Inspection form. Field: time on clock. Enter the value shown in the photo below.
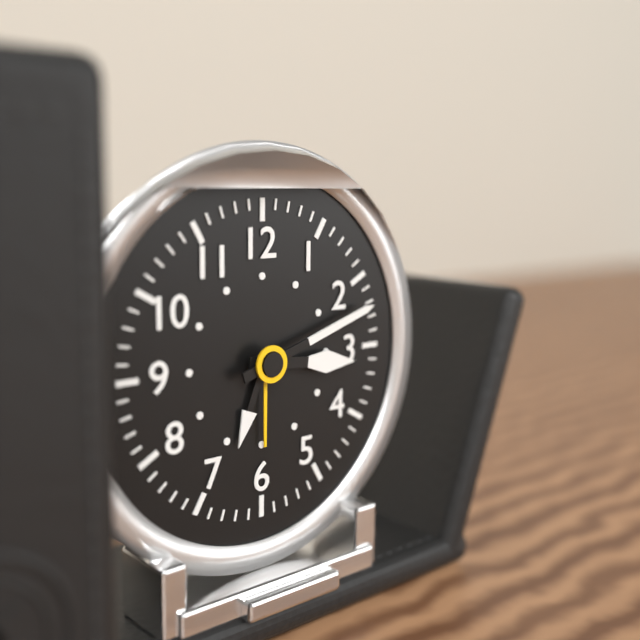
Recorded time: 3:12
